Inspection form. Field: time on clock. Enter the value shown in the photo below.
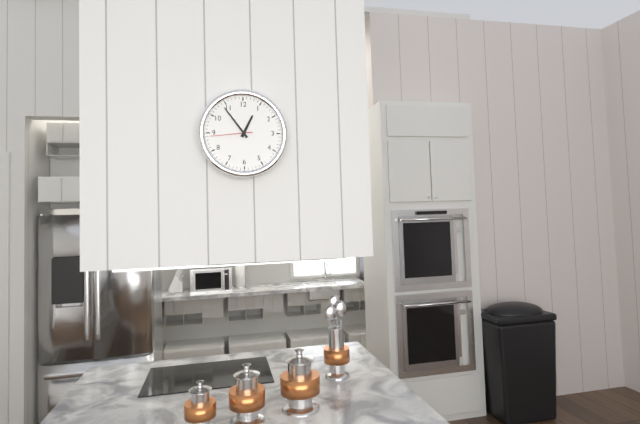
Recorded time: 12:54
